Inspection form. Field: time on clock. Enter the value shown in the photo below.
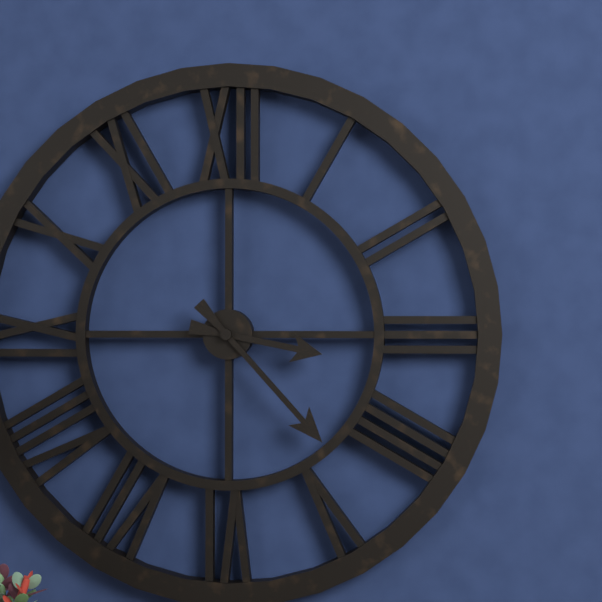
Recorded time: 3:23
